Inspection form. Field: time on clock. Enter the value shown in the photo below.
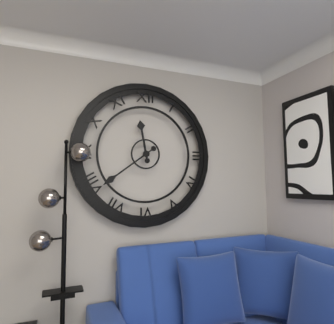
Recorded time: 11:39
